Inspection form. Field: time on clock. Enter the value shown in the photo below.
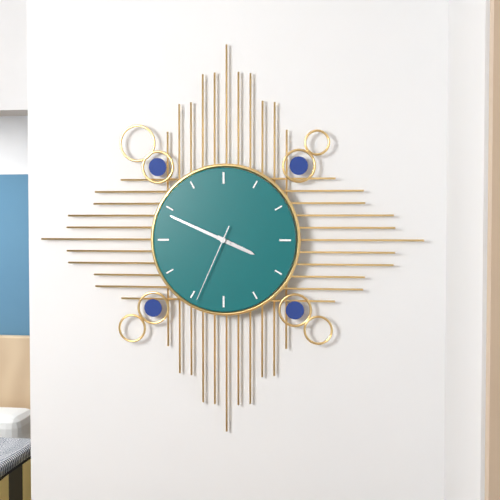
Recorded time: 3:49:34
